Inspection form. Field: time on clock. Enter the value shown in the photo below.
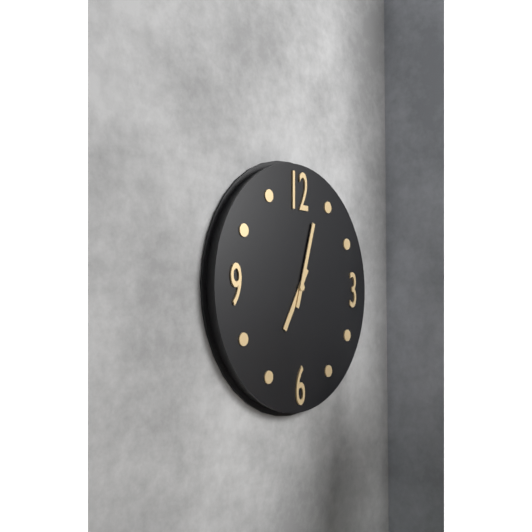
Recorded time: 7:03
